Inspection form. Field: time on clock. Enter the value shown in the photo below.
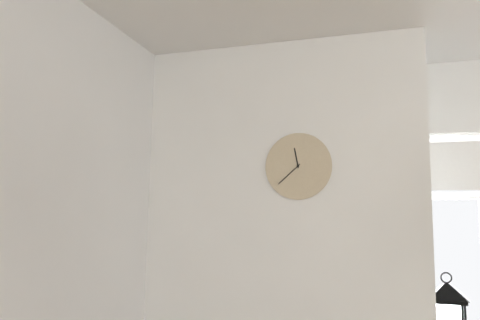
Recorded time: 11:38
